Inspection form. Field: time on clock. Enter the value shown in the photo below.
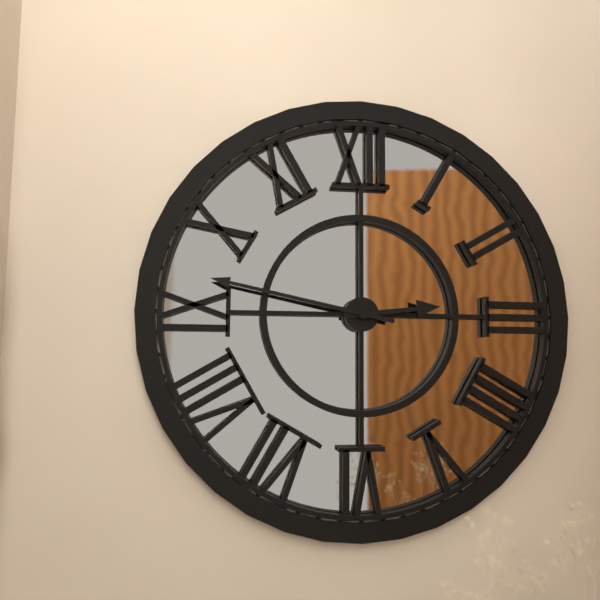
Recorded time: 2:47
